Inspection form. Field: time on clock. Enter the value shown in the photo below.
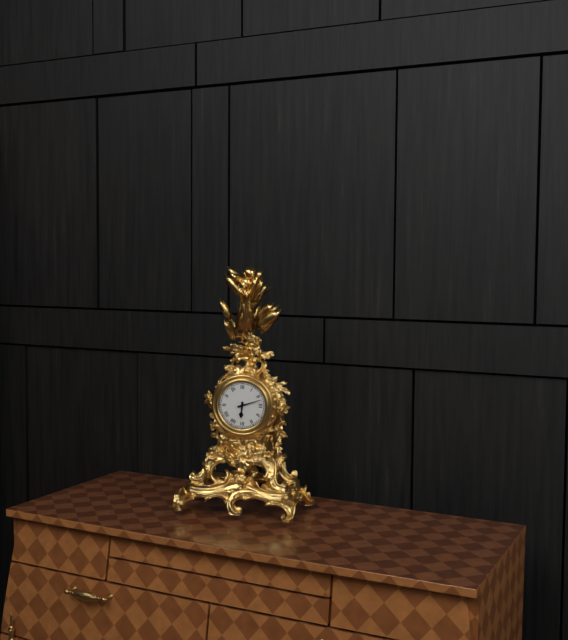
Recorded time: 6:12
